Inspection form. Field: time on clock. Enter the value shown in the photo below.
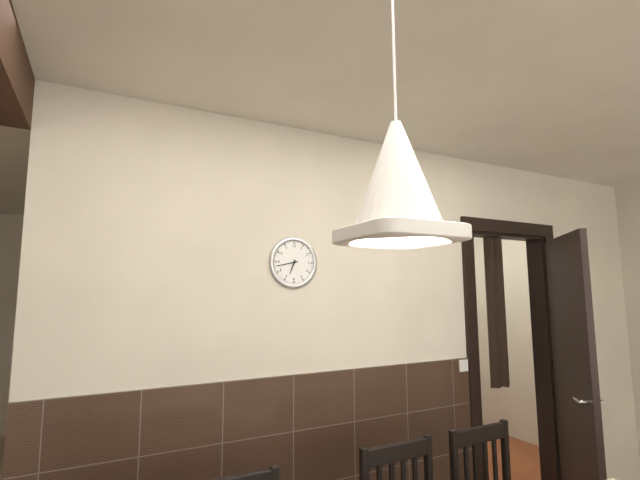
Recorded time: 6:43
